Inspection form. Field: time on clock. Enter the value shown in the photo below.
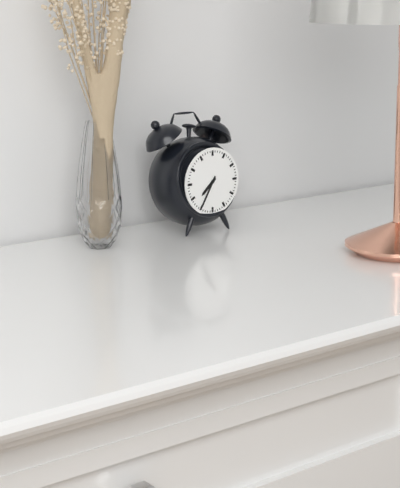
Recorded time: 7:35
